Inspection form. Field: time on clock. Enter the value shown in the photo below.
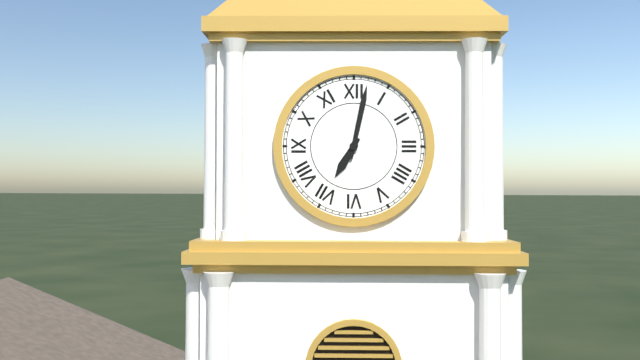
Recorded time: 7:02
